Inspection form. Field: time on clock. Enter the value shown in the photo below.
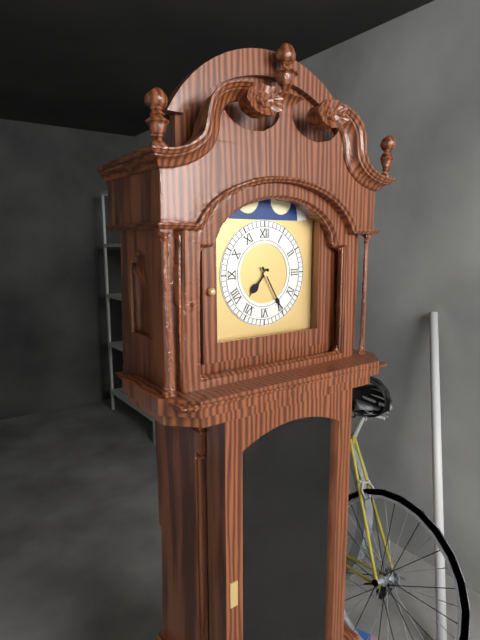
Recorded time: 7:25
